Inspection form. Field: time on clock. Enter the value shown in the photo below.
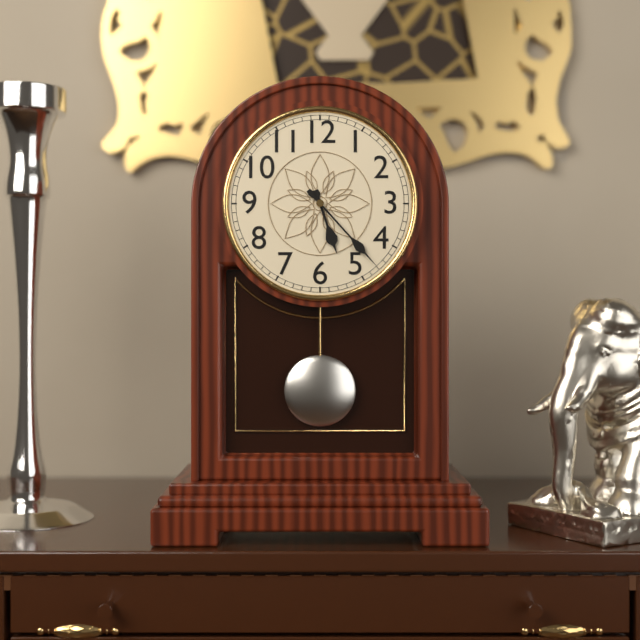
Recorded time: 5:23
